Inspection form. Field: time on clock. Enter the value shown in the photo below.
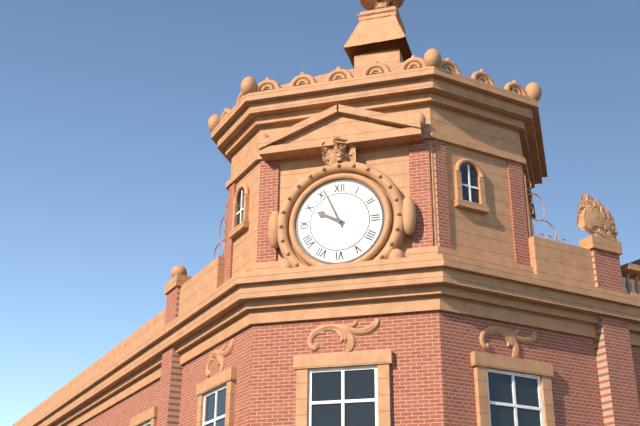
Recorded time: 9:56
